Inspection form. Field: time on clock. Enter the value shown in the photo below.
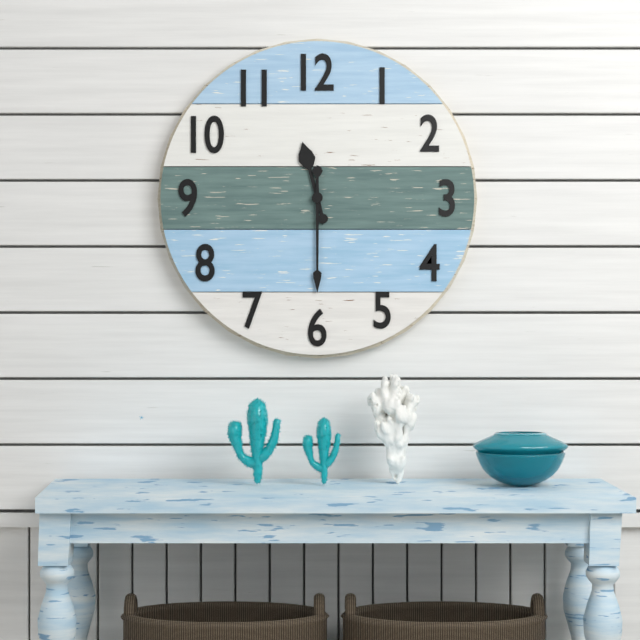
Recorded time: 11:30
